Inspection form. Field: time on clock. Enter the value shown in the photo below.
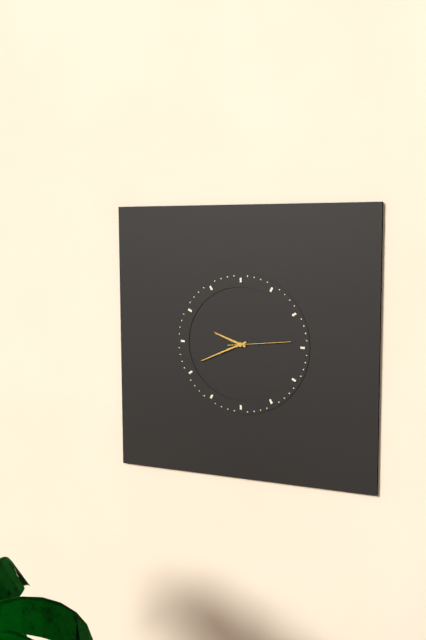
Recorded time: 9:41:14
